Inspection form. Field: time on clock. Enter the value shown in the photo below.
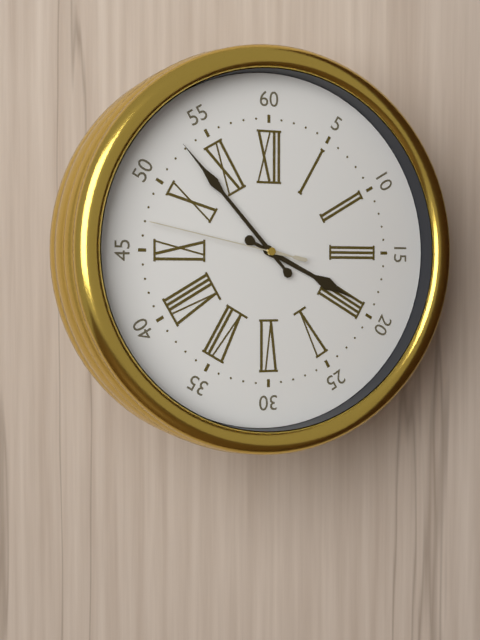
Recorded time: 3:53:47
